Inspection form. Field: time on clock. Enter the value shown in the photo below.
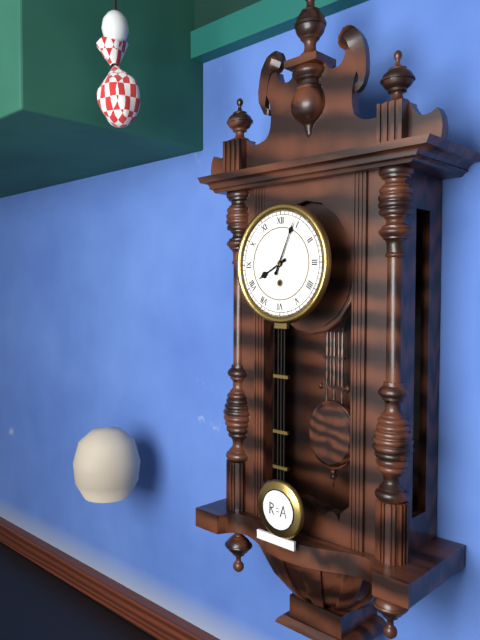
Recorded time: 8:04
